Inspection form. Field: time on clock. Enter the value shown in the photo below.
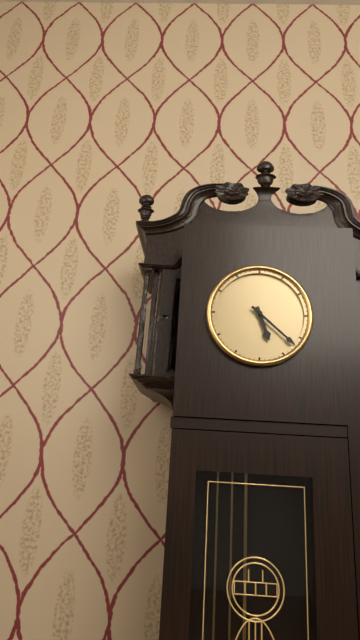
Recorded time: 5:22
